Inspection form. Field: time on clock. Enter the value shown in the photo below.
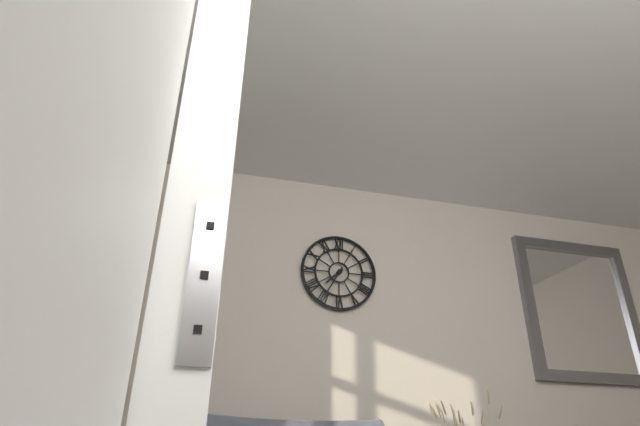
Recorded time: 7:35
